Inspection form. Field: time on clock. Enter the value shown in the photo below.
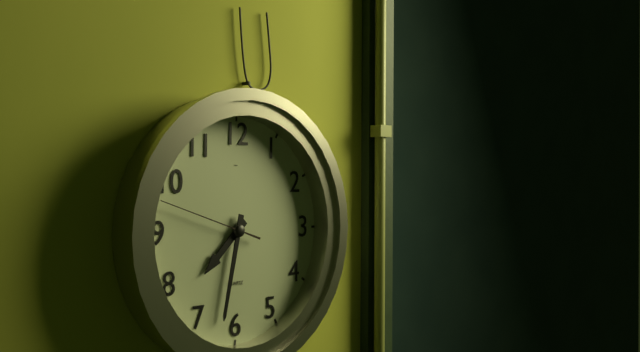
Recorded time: 7:32:48
